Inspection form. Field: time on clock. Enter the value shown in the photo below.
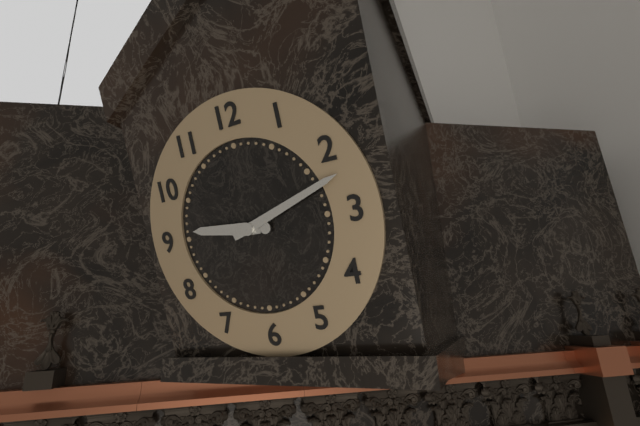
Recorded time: 9:12
